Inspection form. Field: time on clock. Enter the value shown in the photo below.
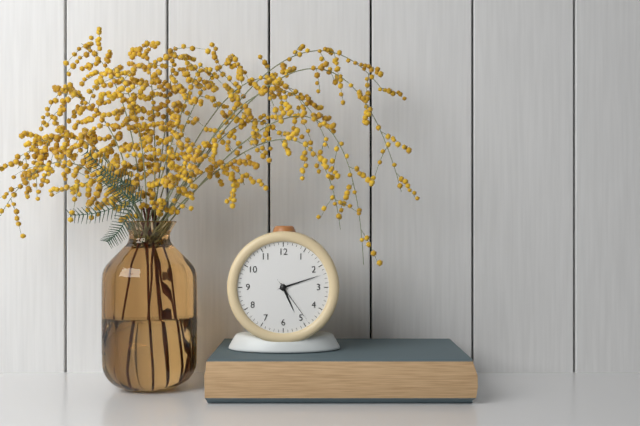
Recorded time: 5:12:24
